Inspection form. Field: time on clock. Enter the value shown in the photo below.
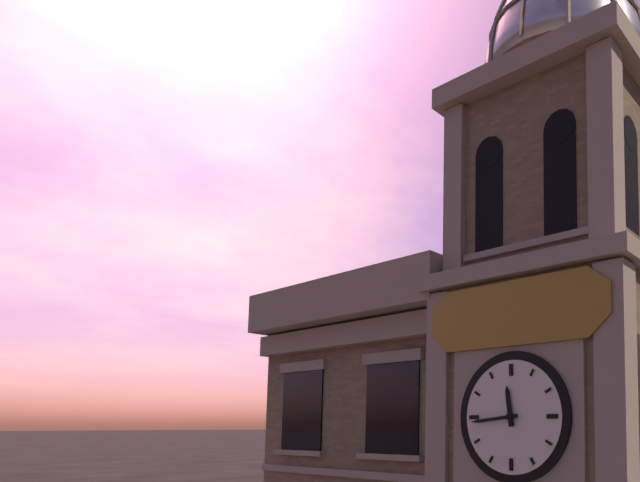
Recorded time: 11:44
